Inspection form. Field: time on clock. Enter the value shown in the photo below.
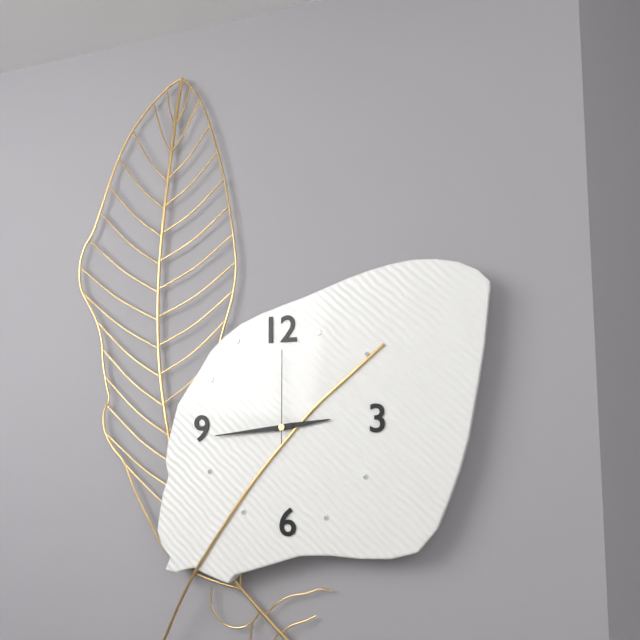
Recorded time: 2:44:00
